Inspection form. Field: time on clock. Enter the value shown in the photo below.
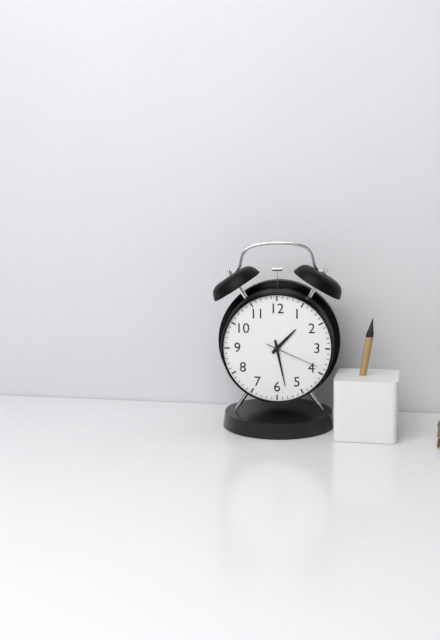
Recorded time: 1:28:19
